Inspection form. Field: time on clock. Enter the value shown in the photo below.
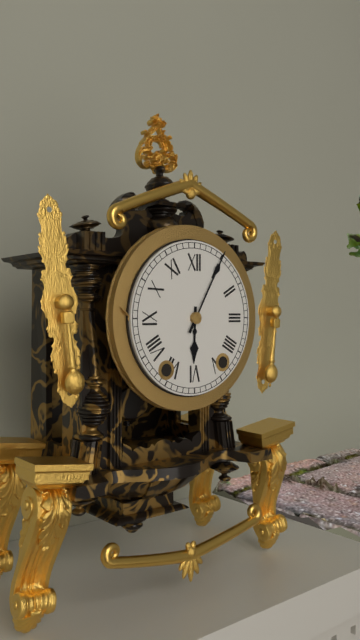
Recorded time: 6:05
